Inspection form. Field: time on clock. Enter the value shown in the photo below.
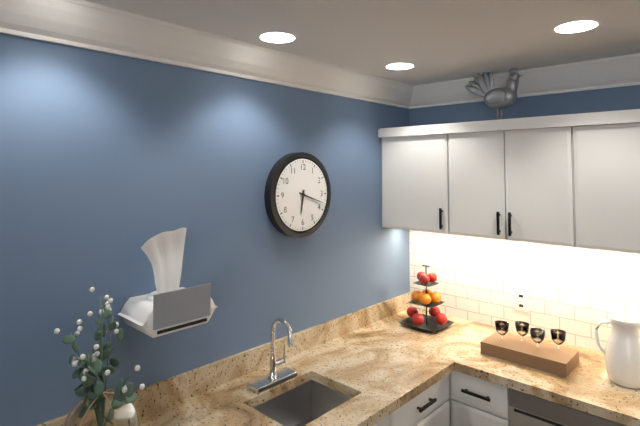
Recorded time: 6:18
